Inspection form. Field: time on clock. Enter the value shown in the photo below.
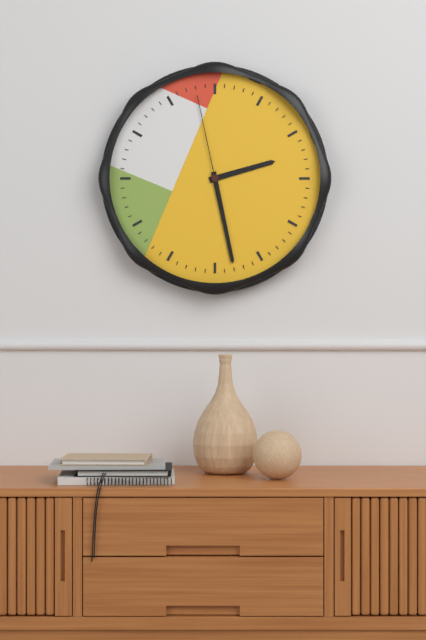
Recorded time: 2:28:58
